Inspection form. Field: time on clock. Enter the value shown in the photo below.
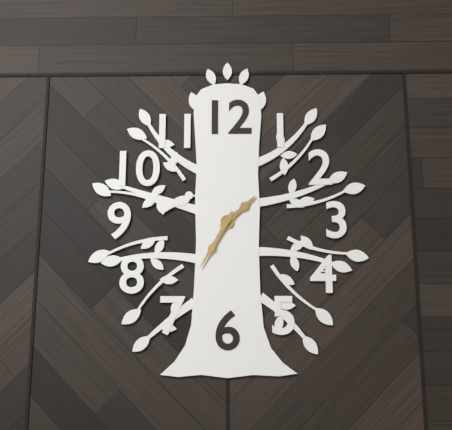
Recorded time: 1:35
